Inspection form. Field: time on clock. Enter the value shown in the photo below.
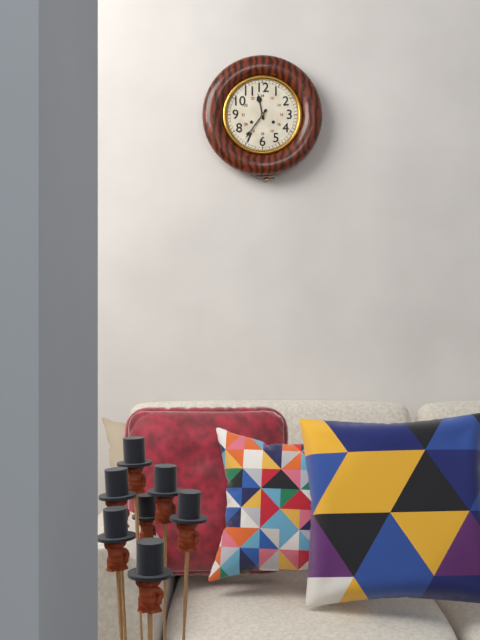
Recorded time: 11:36
